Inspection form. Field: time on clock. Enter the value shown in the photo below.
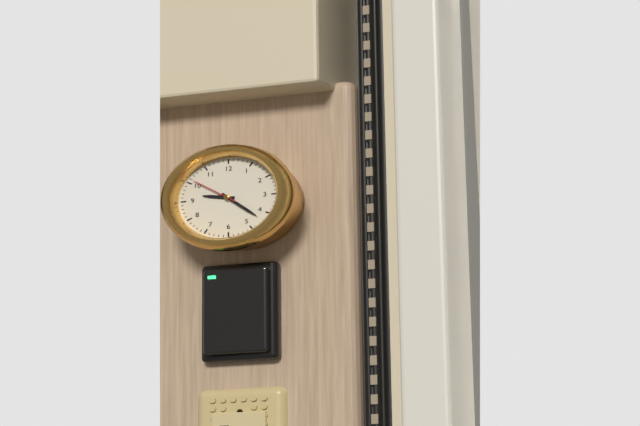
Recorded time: 9:22
